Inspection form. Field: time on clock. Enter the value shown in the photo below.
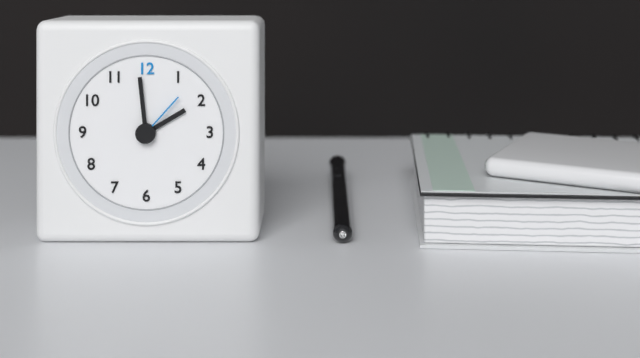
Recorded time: 1:59:07
